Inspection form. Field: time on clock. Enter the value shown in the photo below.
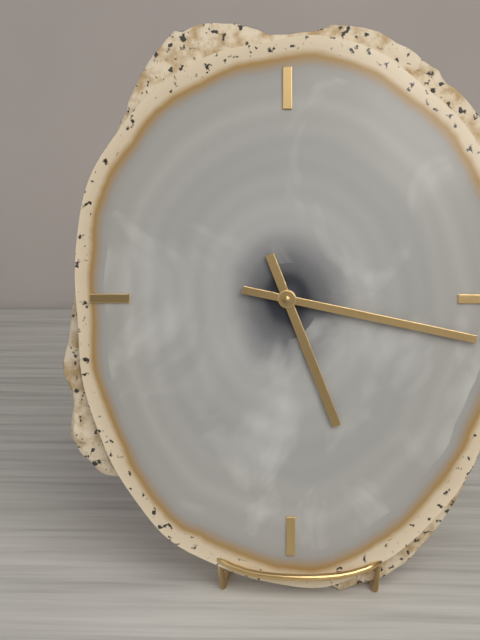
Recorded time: 5:17
